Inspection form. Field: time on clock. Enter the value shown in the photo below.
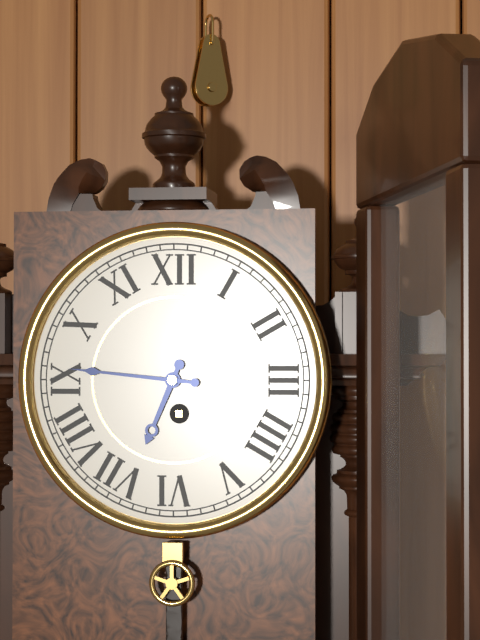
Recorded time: 6:46
